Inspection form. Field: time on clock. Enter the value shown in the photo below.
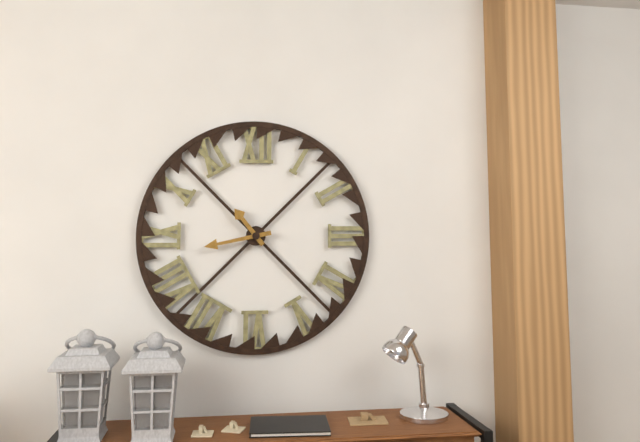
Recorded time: 10:43
